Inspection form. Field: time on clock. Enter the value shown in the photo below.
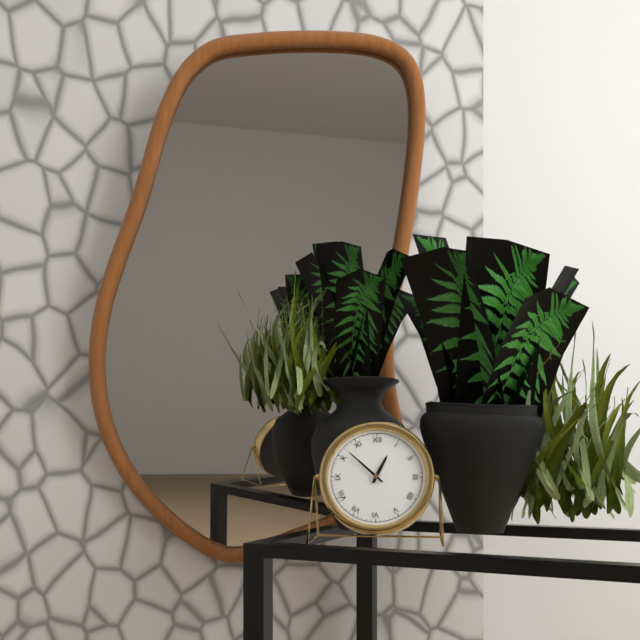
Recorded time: 12:52
